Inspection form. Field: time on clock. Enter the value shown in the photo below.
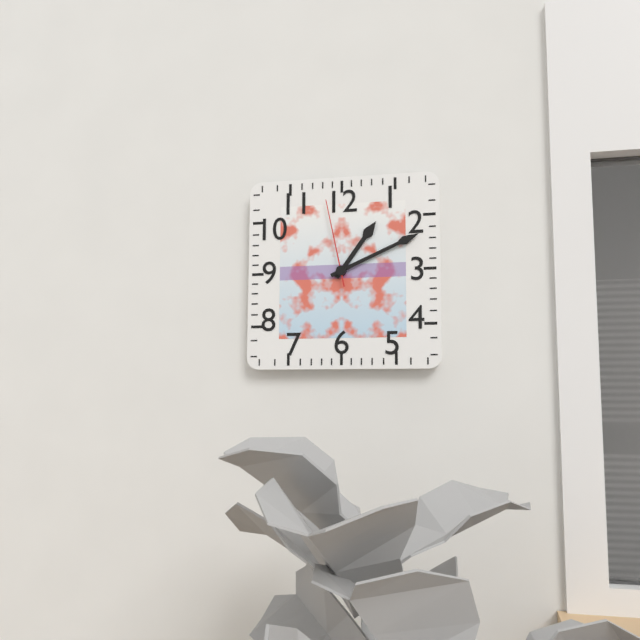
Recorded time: 1:11:58
